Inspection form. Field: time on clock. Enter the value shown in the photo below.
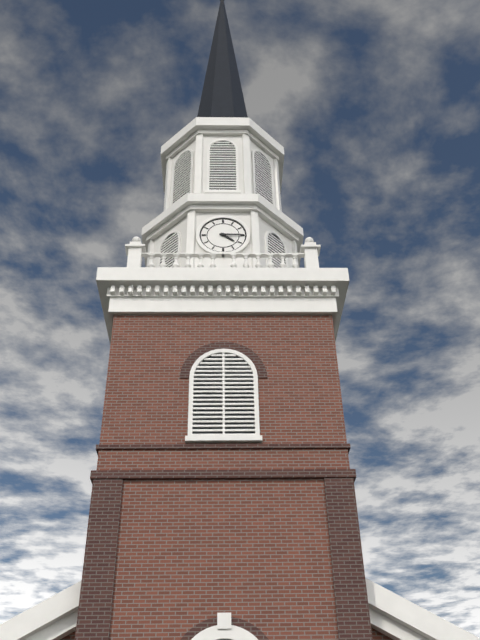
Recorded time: 4:15
